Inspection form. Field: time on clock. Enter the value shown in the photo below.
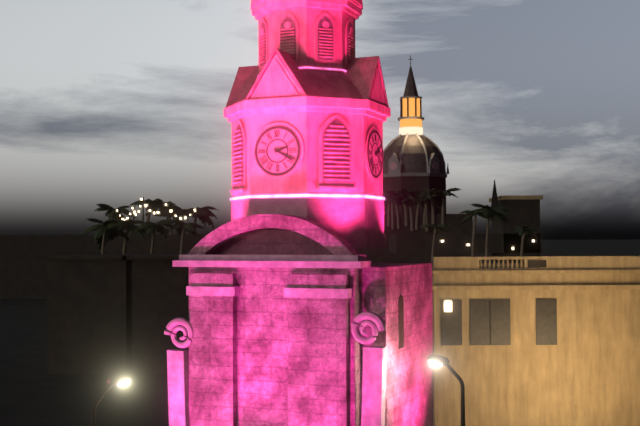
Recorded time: 2:20
